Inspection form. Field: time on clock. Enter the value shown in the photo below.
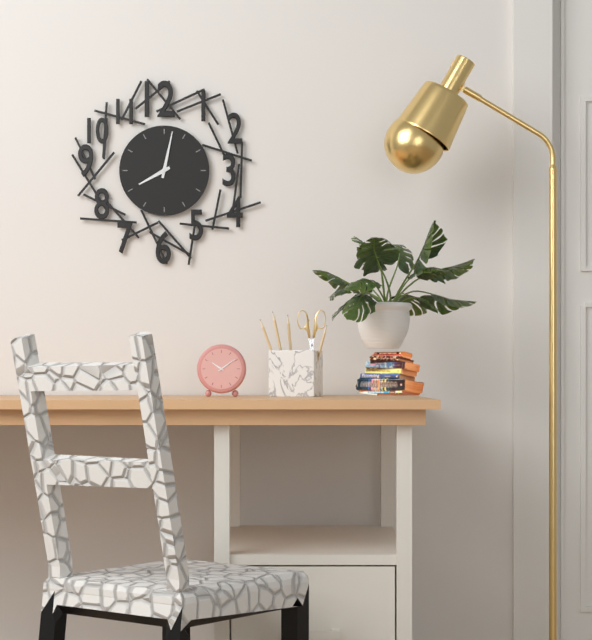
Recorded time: 8:02
